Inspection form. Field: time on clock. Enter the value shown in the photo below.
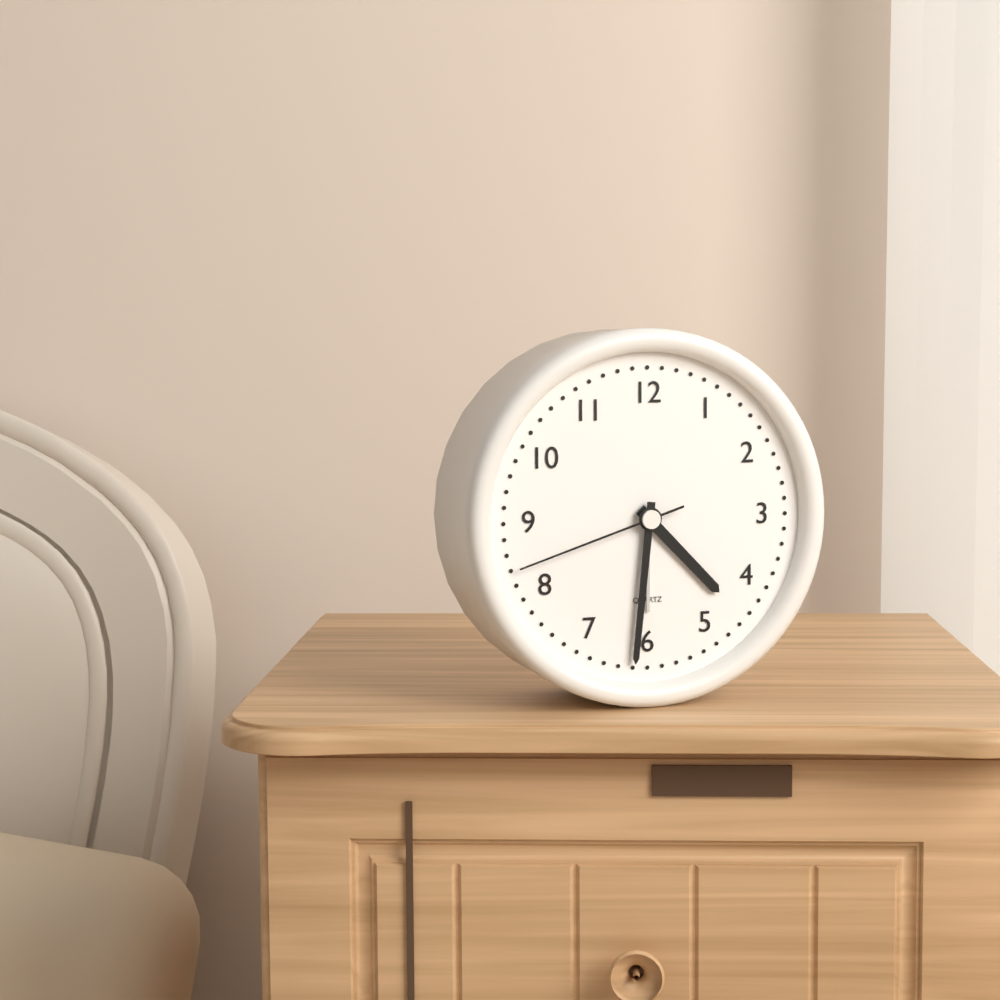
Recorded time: 4:31:42
